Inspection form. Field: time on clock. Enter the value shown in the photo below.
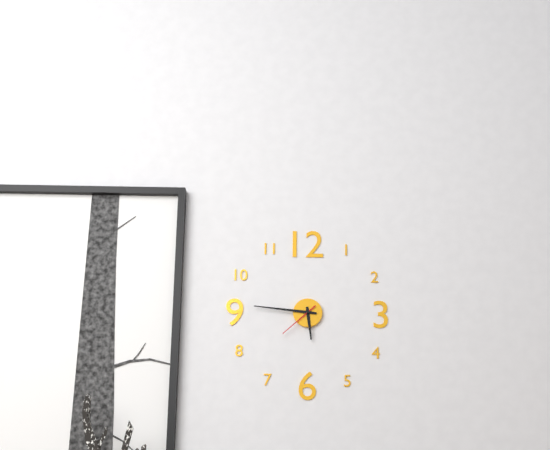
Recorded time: 5:46
